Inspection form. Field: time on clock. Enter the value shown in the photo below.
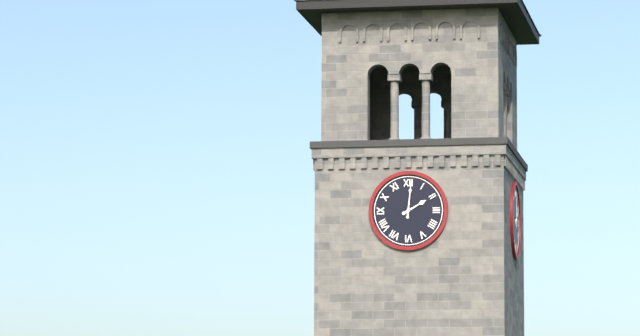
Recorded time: 2:01
